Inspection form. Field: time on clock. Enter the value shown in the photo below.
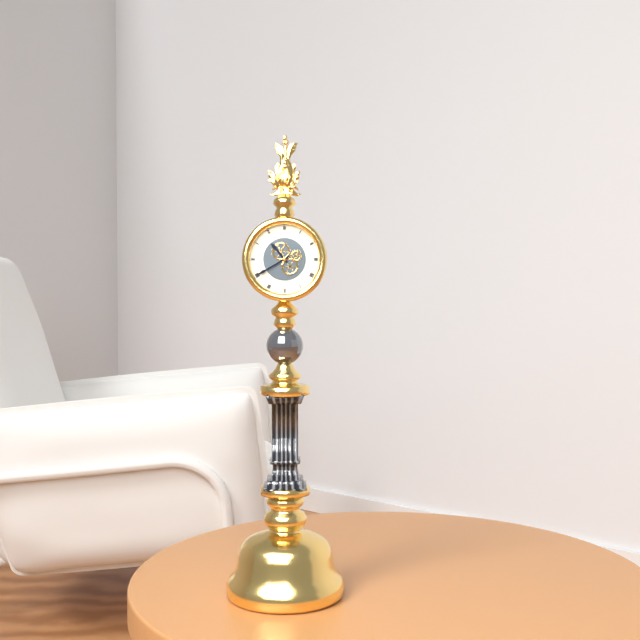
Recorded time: 10:40
